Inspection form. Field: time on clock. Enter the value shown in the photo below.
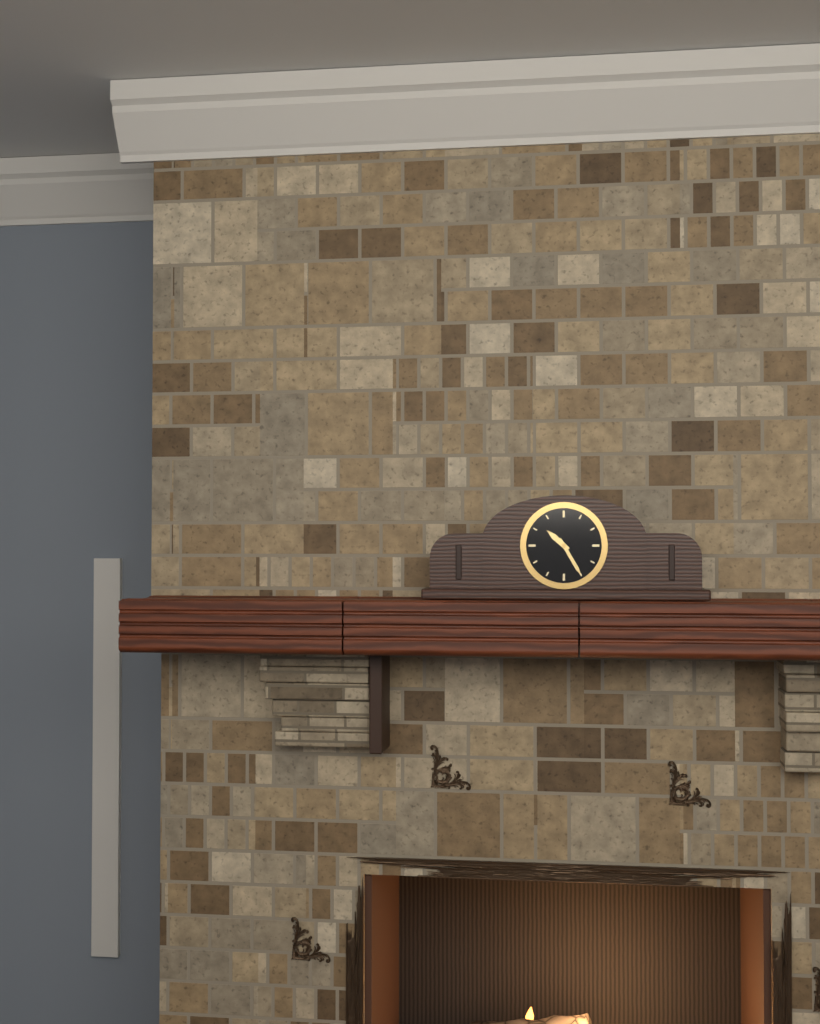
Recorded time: 10:25
